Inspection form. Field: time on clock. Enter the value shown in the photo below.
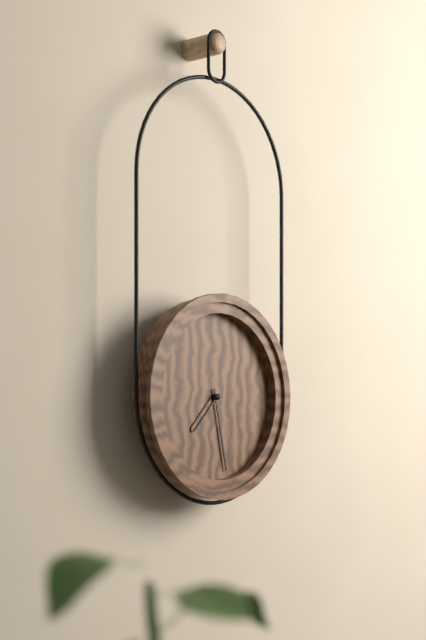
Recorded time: 7:28
